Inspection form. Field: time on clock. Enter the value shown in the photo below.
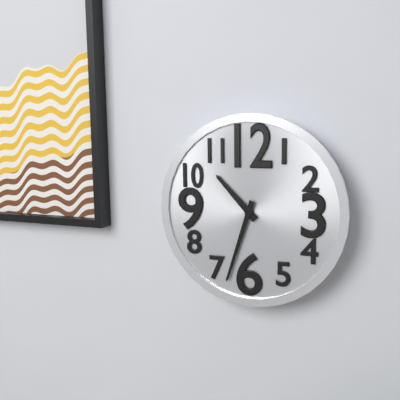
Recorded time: 10:33
